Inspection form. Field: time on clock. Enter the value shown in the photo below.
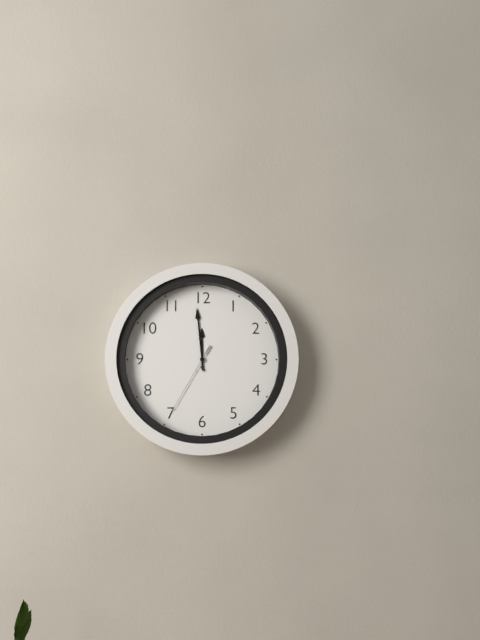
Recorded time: 11:59:35
